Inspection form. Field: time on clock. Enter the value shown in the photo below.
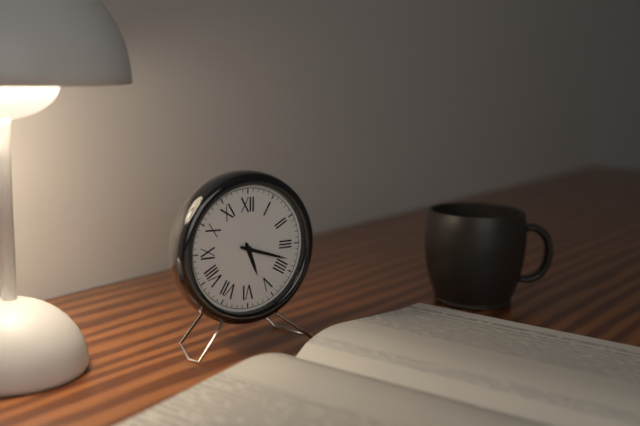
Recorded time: 5:18
